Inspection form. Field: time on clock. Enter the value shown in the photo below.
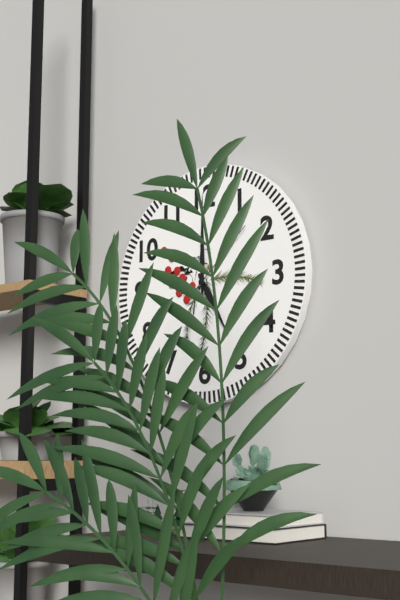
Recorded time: 5:00
